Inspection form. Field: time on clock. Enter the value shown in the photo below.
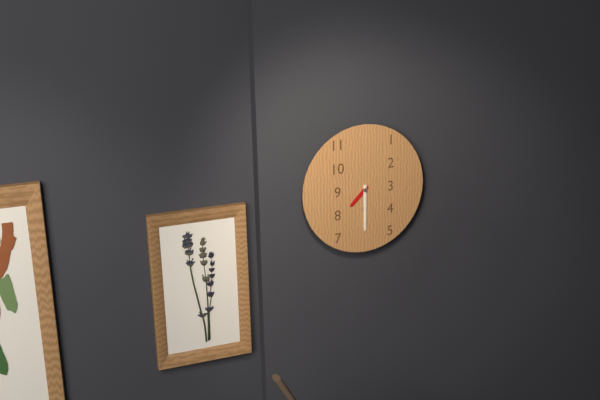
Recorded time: 7:30
